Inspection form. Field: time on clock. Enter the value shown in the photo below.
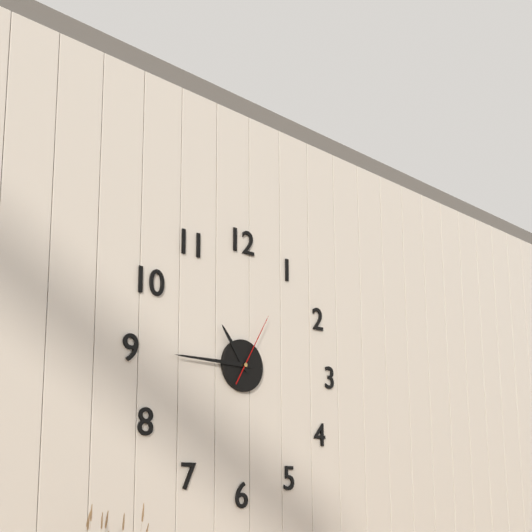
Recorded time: 10:45:05
